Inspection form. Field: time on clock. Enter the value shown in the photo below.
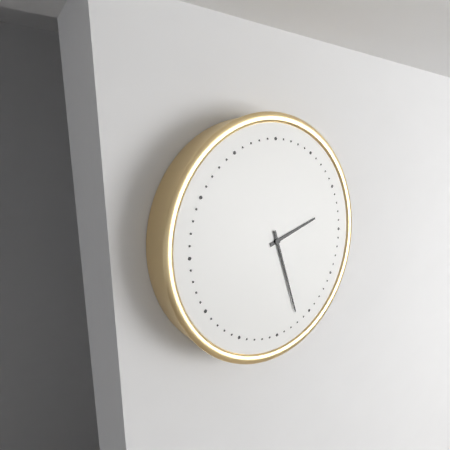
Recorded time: 2:27
